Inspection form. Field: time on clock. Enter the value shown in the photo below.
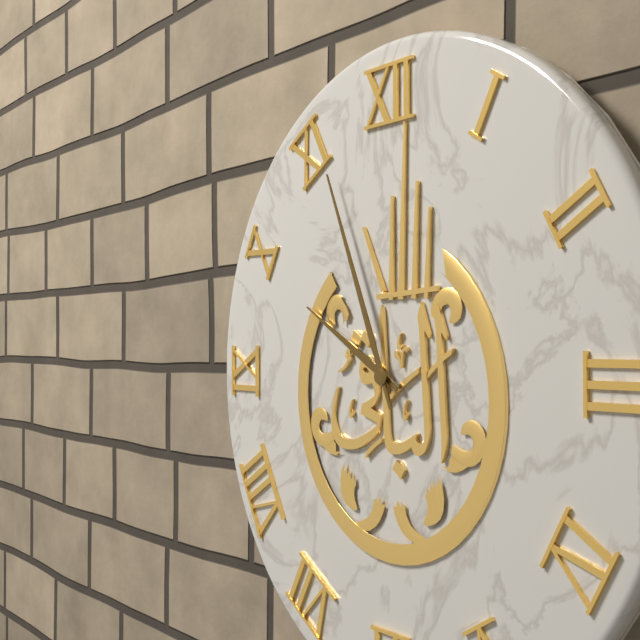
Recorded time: 9:56
